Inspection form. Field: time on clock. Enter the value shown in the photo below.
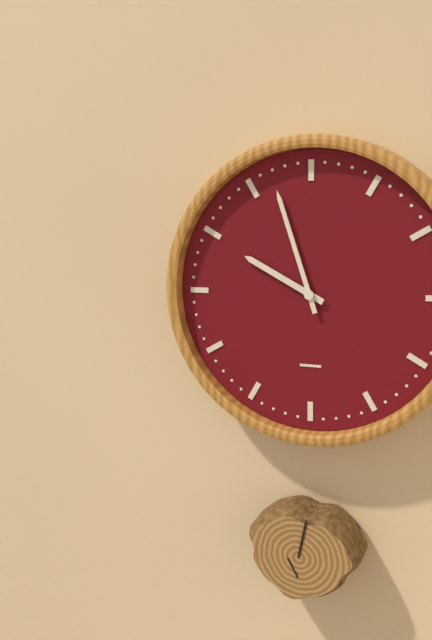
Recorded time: 9:57
